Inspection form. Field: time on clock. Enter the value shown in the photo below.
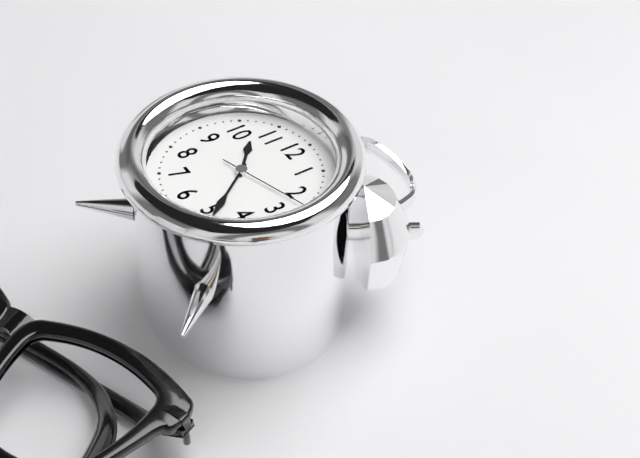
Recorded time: 10:24:12
